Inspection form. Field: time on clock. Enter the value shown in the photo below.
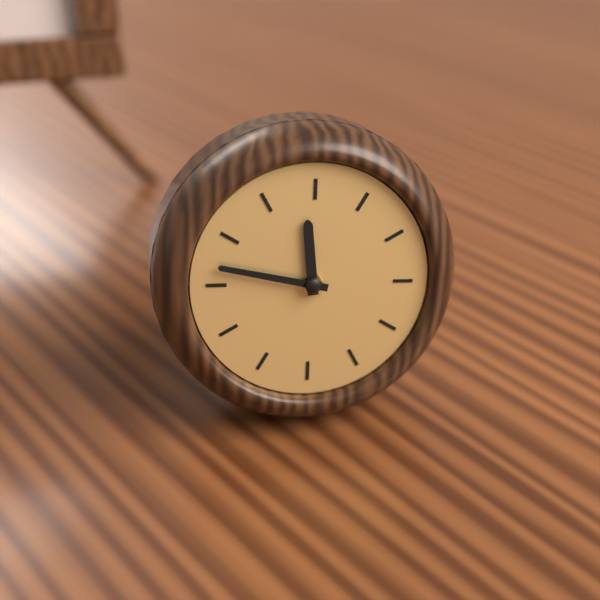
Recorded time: 11:47
